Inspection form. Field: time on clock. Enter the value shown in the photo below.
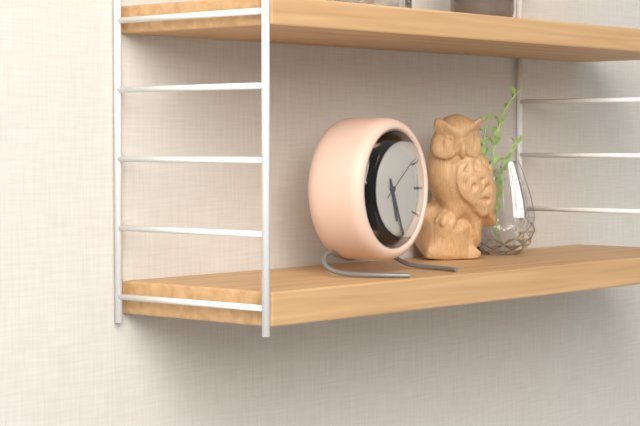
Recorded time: 5:26:09
